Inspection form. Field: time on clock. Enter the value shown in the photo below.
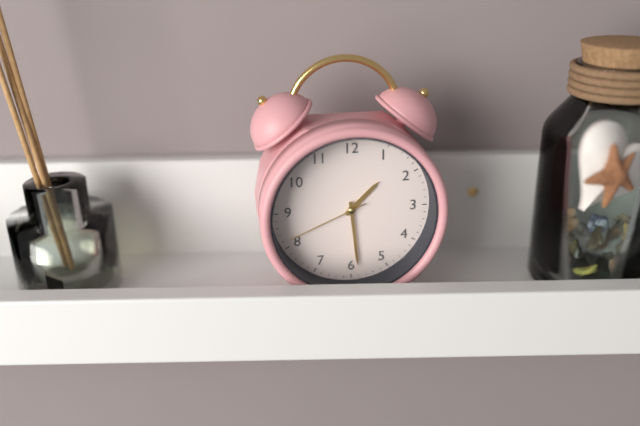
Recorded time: 1:29:41
